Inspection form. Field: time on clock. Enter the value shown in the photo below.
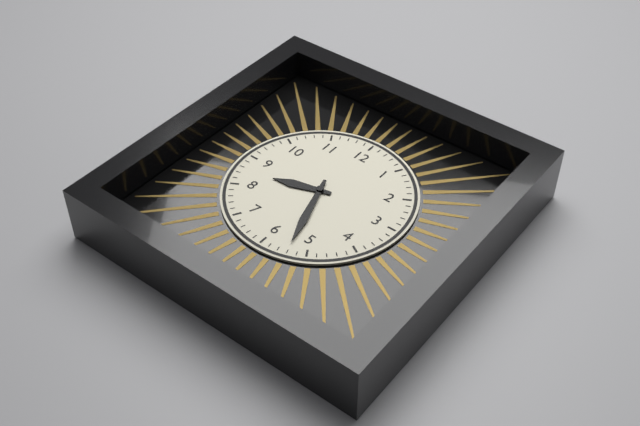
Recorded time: 8:27
